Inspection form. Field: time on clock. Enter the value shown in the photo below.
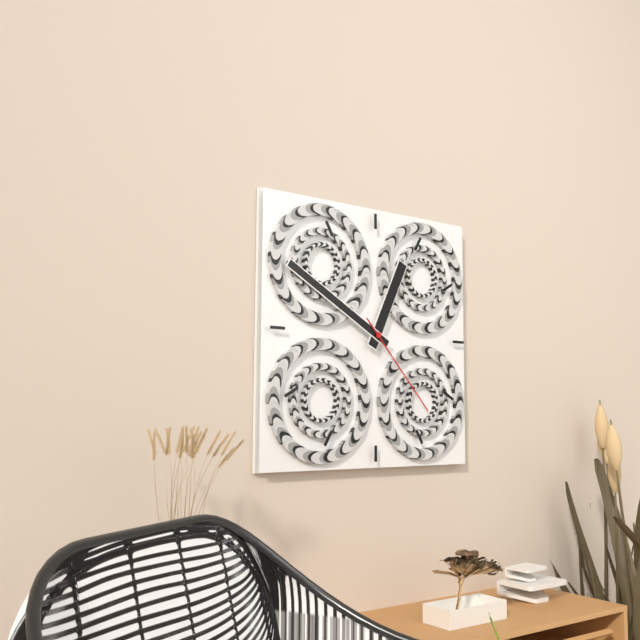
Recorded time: 12:50:23
